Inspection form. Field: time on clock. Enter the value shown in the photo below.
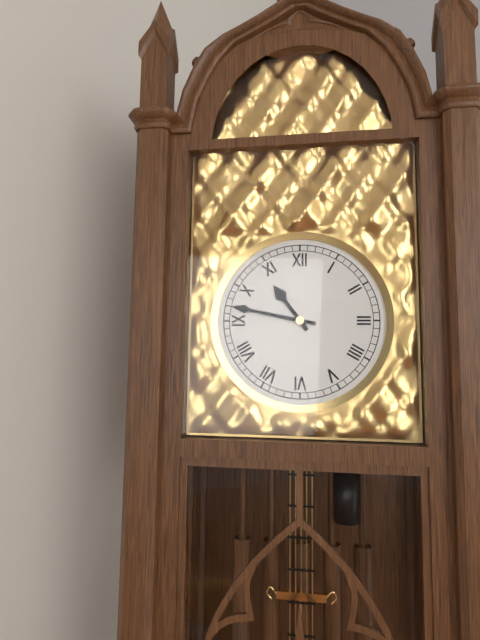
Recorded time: 10:47
